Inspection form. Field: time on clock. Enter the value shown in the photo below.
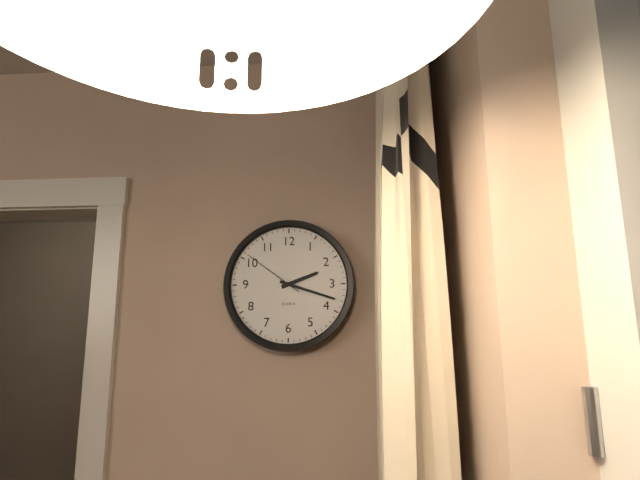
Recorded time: 2:18:51
